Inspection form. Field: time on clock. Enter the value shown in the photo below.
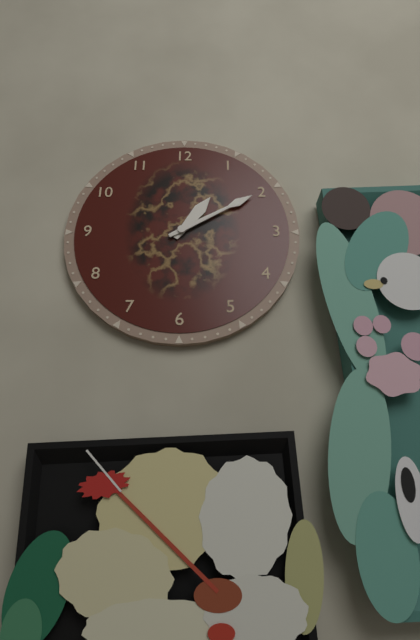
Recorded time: 1:10
